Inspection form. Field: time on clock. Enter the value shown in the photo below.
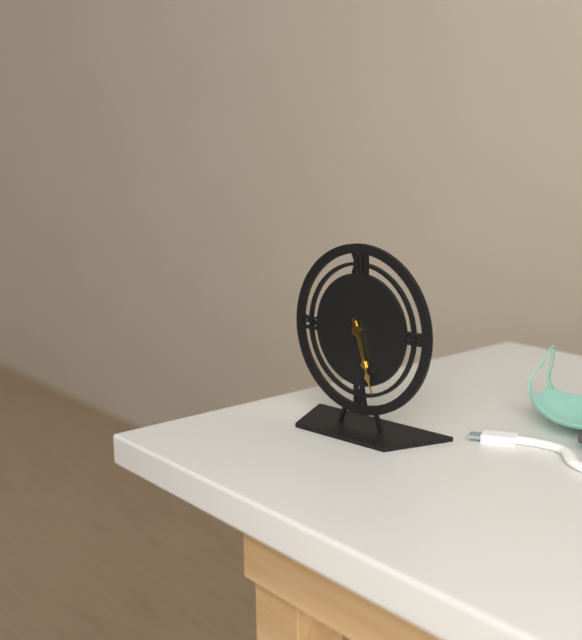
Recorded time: 5:27
